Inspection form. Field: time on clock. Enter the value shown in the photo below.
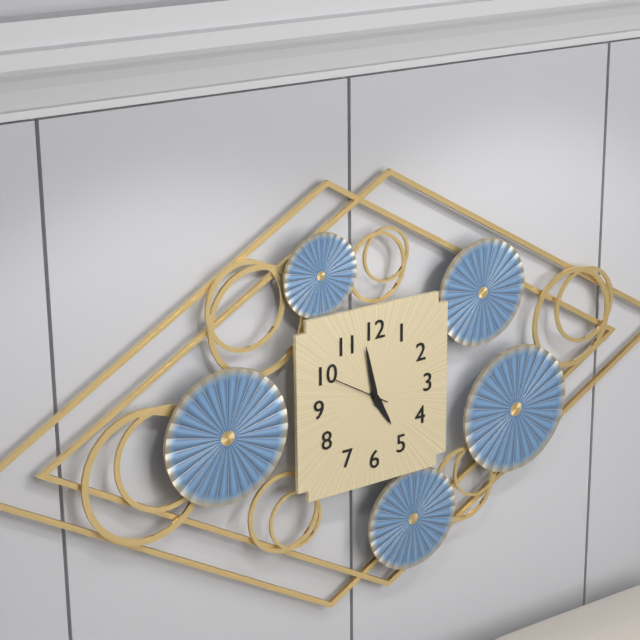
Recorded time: 4:58:50
